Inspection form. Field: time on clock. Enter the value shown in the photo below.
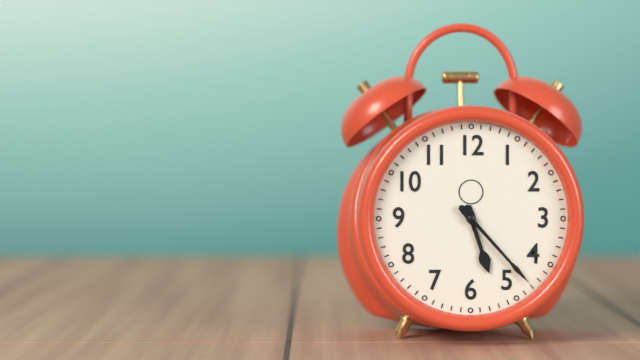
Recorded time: 5:23
